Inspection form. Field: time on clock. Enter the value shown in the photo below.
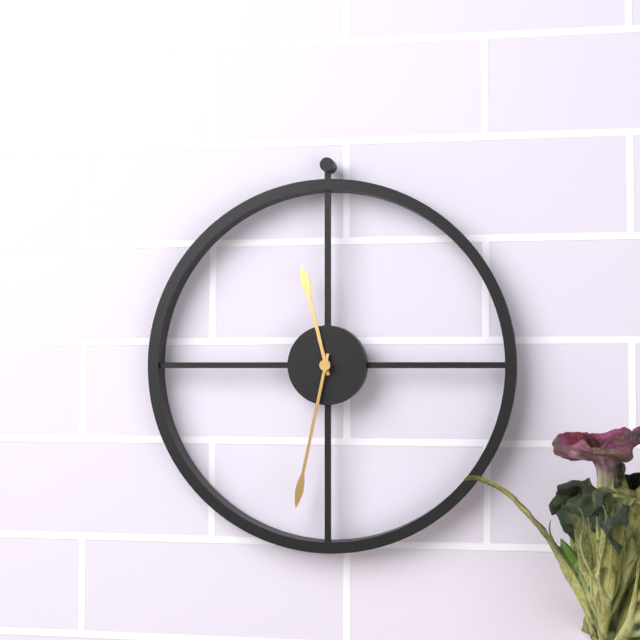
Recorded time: 11:32
